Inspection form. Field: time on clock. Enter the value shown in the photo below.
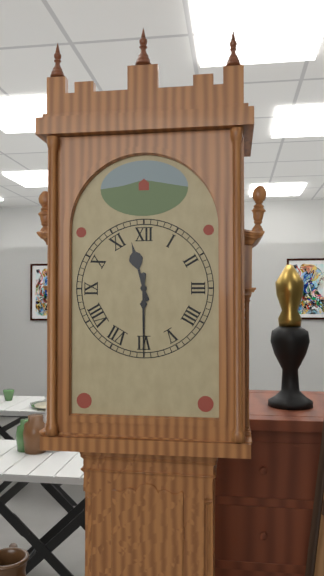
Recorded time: 11:30
